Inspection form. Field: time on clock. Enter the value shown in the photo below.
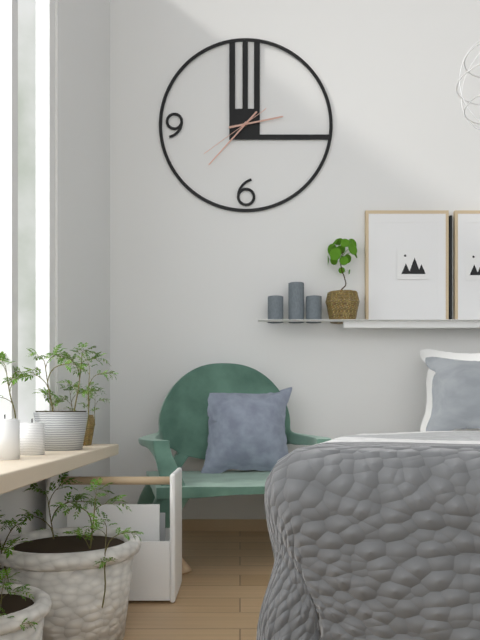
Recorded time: 2:37:39
